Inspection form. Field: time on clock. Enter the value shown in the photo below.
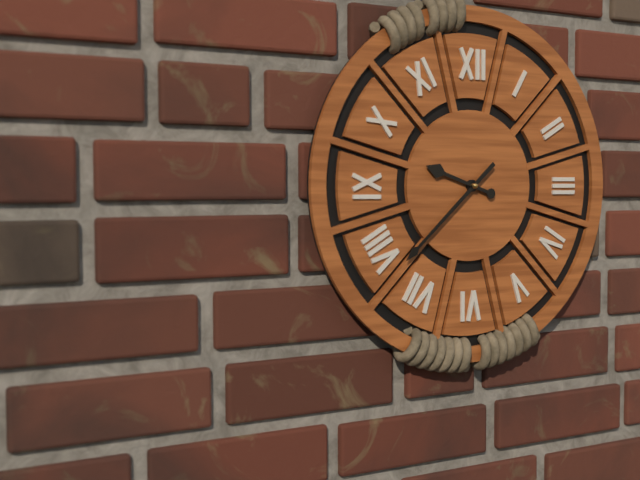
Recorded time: 9:38
